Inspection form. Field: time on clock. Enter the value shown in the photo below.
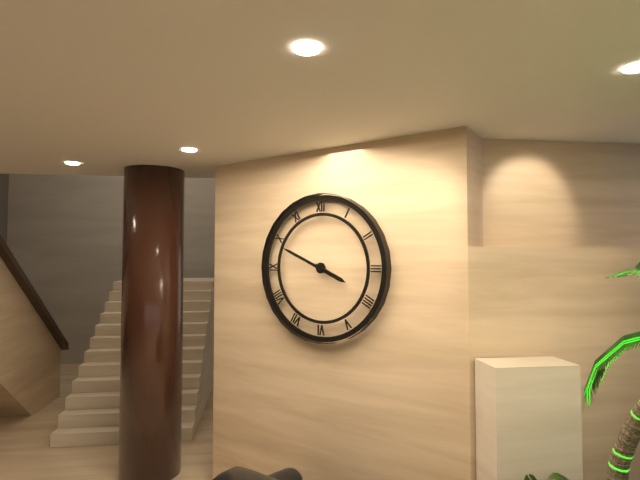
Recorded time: 3:49
